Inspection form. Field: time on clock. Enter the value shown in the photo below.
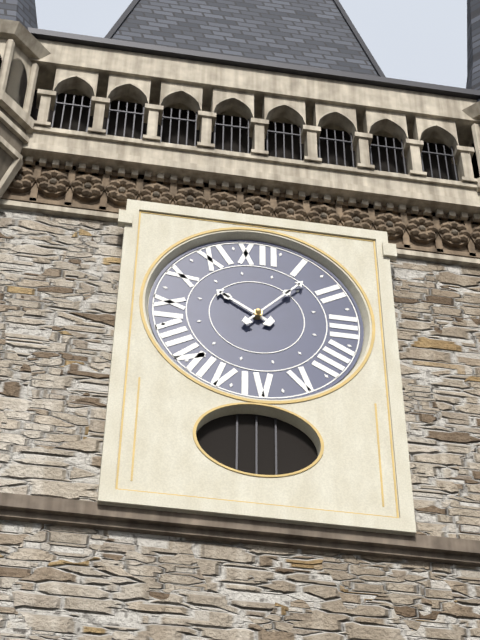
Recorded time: 10:07
